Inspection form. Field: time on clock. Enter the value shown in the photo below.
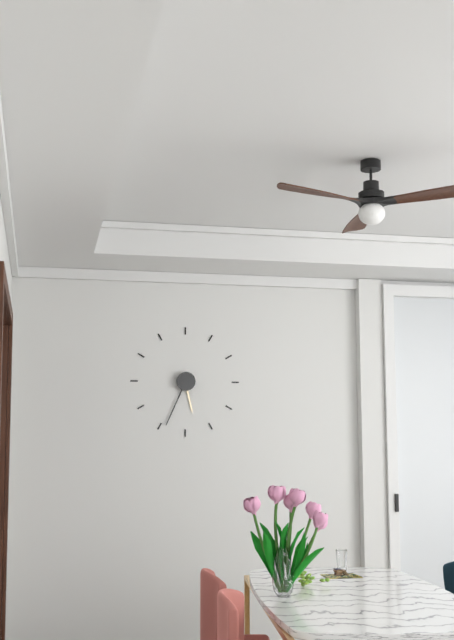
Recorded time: 5:34
